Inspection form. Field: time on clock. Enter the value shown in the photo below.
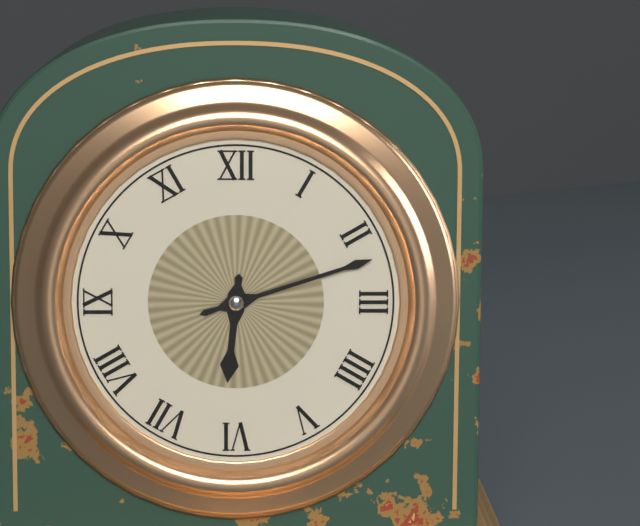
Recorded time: 6:12
